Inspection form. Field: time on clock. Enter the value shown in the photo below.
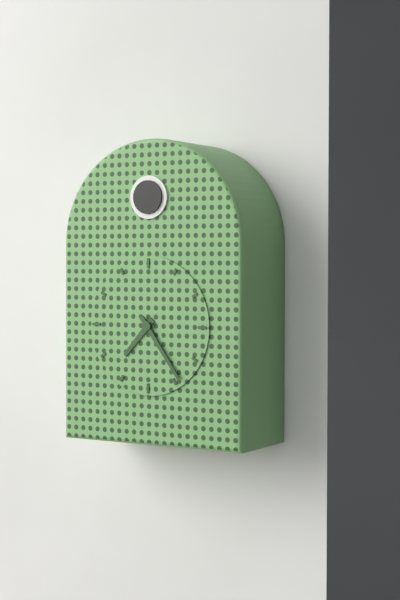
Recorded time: 7:24
